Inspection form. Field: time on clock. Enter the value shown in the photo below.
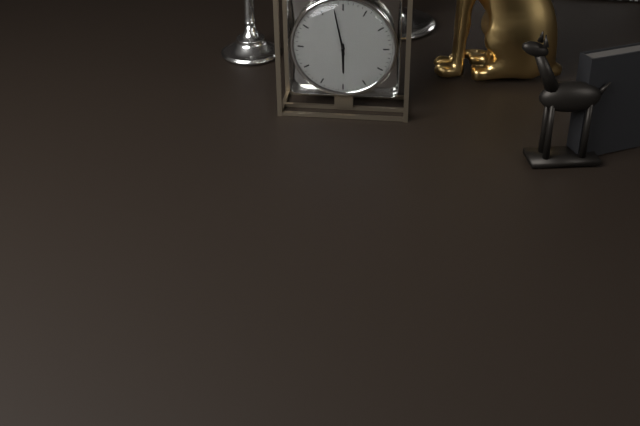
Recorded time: 5:58
